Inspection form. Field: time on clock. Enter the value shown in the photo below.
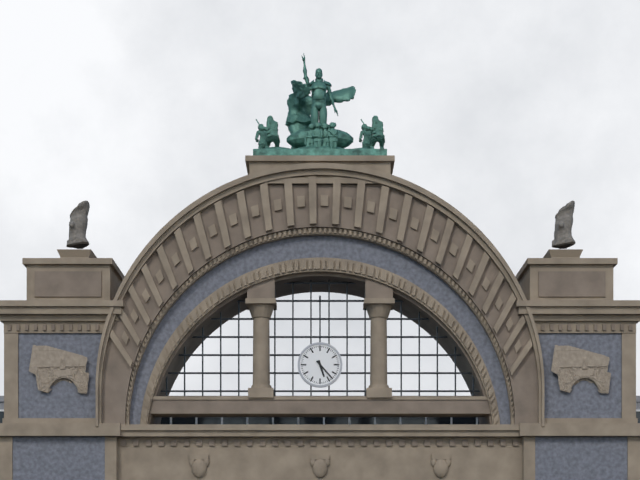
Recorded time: 5:23
